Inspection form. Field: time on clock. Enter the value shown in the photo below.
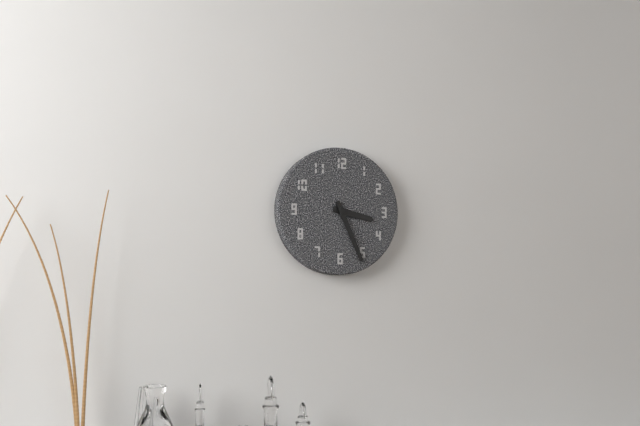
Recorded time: 3:26
